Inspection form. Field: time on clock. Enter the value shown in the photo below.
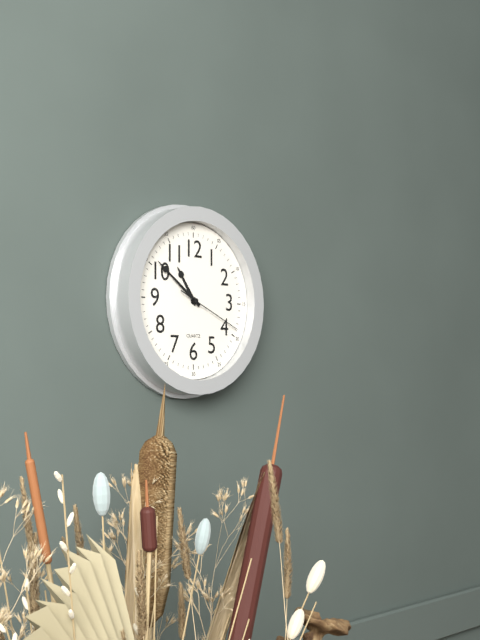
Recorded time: 10:51:19
